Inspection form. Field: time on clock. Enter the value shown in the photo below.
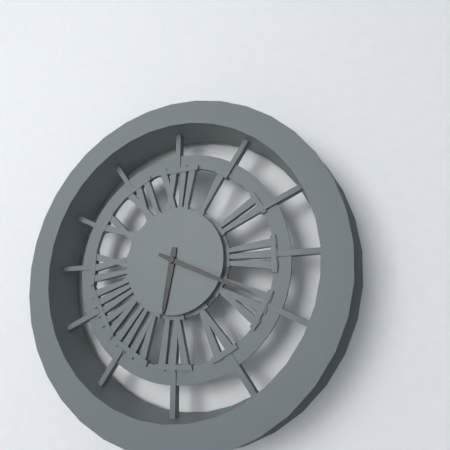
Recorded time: 6:19
